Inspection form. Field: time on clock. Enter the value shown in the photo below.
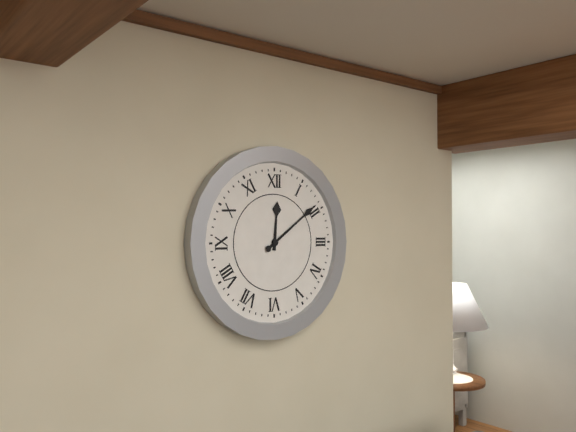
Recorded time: 12:09
